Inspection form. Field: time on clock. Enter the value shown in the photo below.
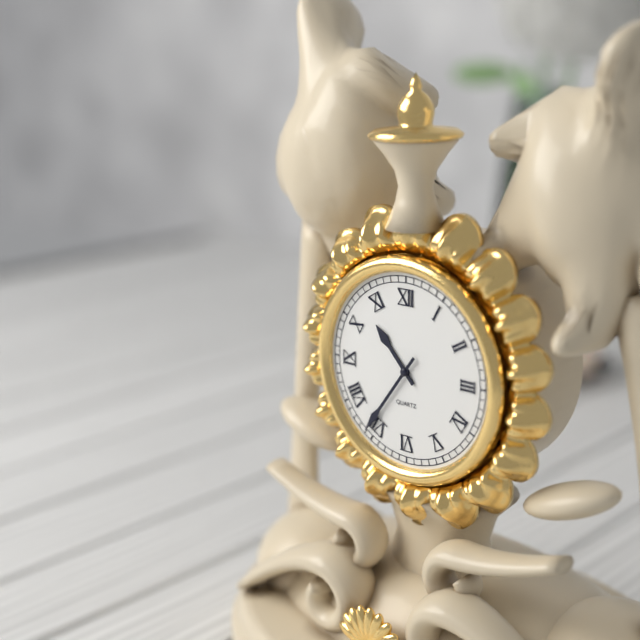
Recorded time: 10:36
